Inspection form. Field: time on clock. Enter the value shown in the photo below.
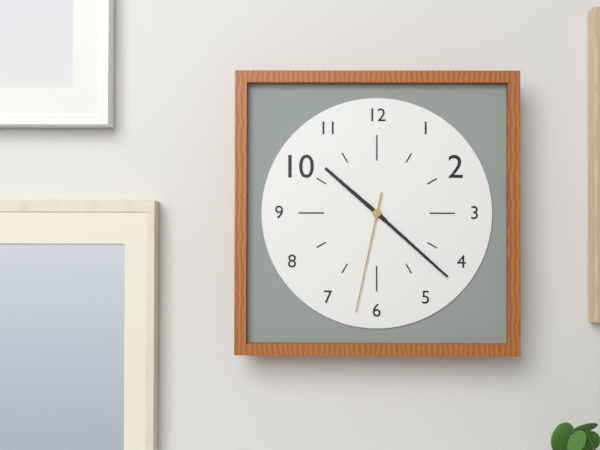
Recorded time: 10:22:32
